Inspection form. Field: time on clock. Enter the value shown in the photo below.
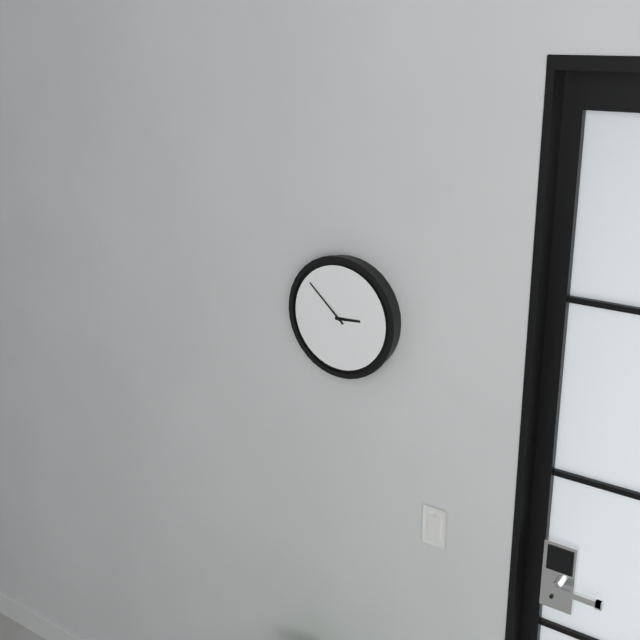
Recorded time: 2:52
